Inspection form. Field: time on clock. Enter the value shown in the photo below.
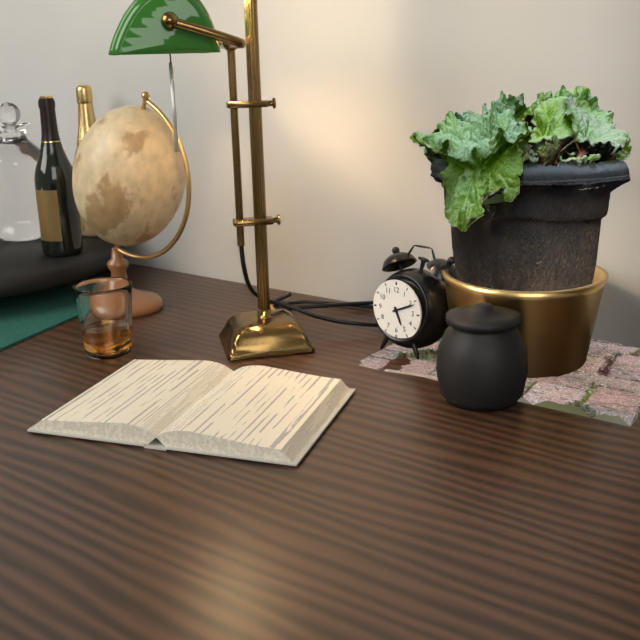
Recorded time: 5:11
